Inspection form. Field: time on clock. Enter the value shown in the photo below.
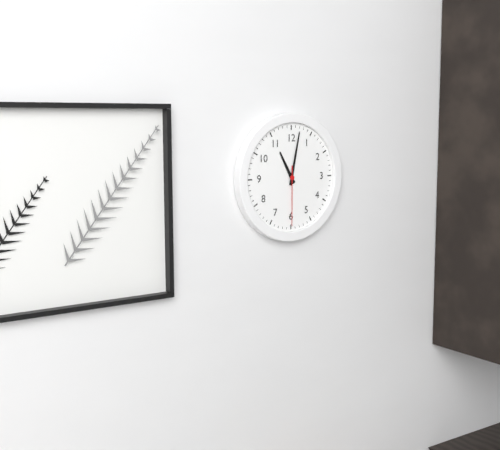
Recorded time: 11:02:30
